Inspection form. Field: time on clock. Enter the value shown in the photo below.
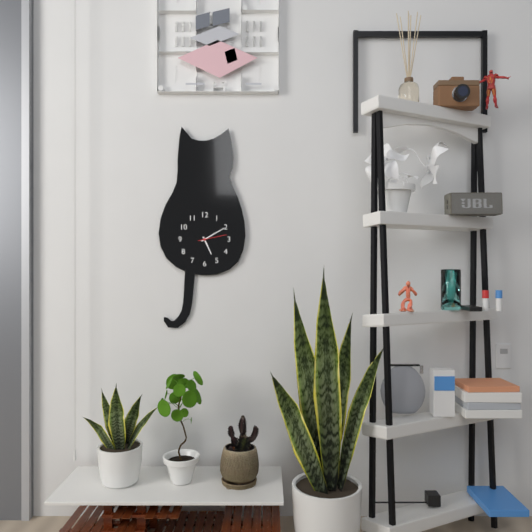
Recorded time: 5:10
